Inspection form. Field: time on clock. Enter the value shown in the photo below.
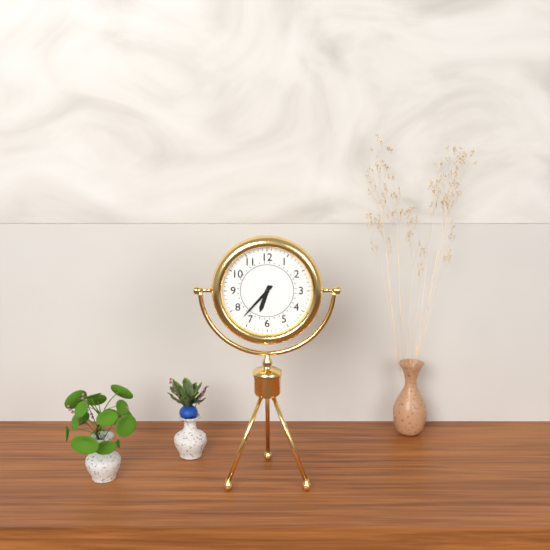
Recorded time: 6:37
